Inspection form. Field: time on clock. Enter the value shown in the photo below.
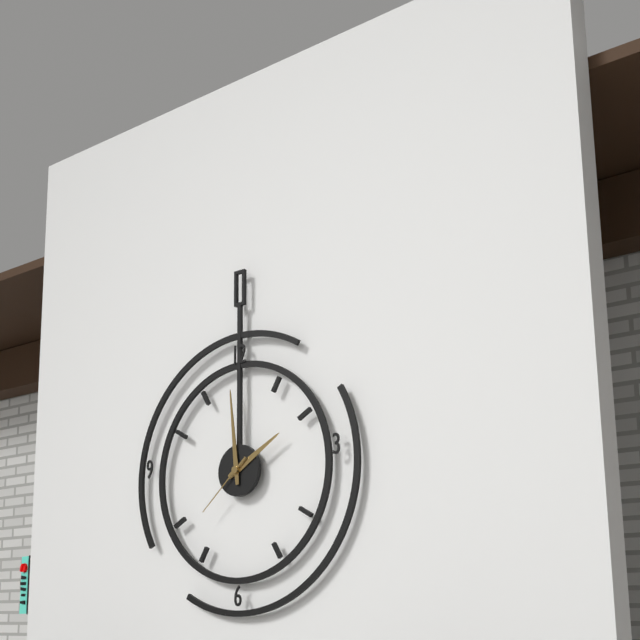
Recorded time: 1:59:38
